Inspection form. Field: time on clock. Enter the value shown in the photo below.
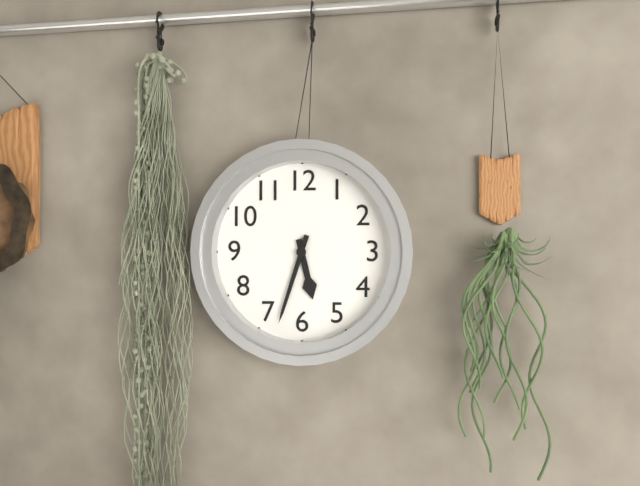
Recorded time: 5:33
